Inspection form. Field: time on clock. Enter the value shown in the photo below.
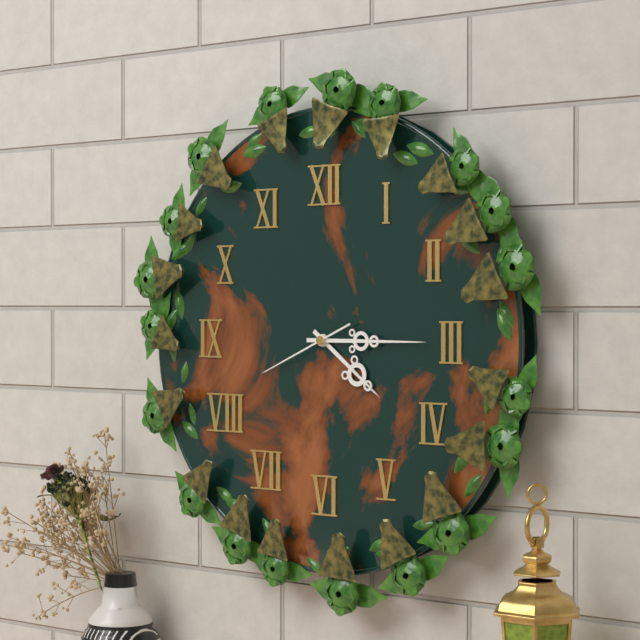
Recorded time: 4:15:41
